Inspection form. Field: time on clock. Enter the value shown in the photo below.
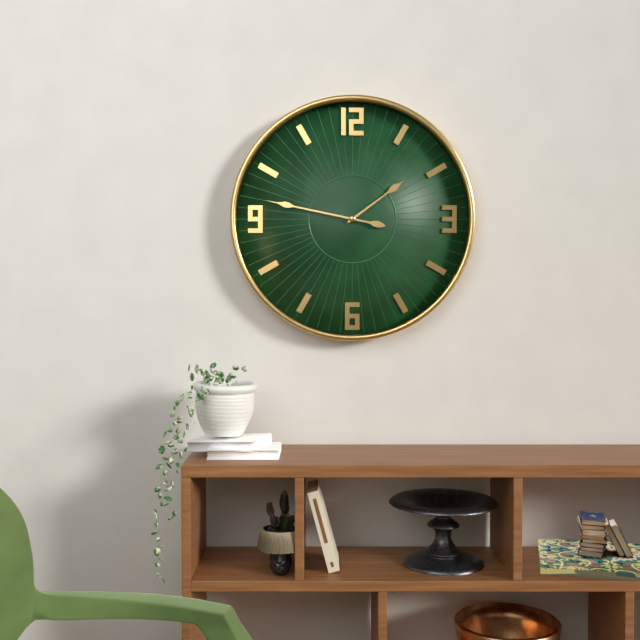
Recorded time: 1:47
